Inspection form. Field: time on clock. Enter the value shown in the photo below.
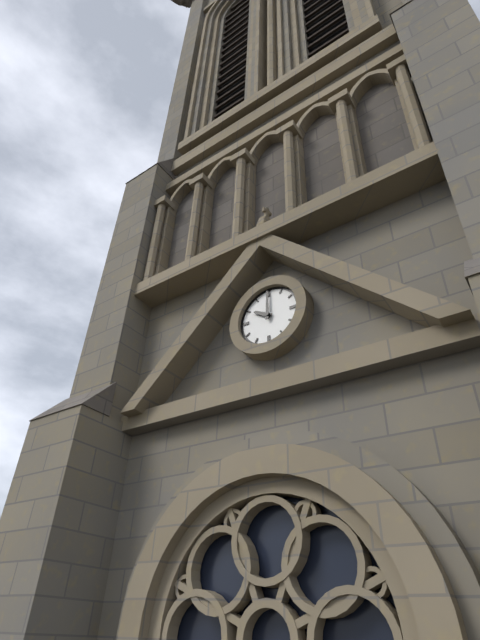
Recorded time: 10:00
